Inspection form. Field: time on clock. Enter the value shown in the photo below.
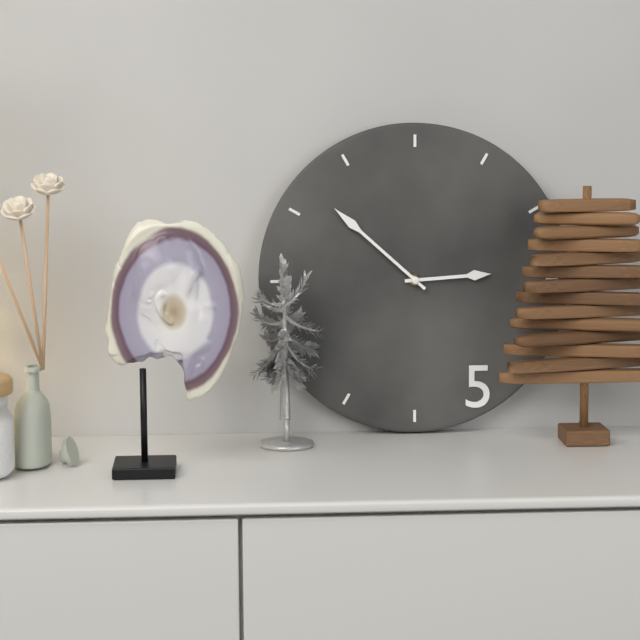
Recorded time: 2:52
